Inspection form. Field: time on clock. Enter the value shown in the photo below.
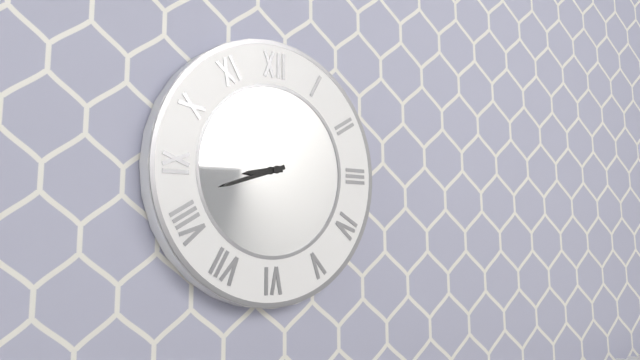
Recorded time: 8:42
